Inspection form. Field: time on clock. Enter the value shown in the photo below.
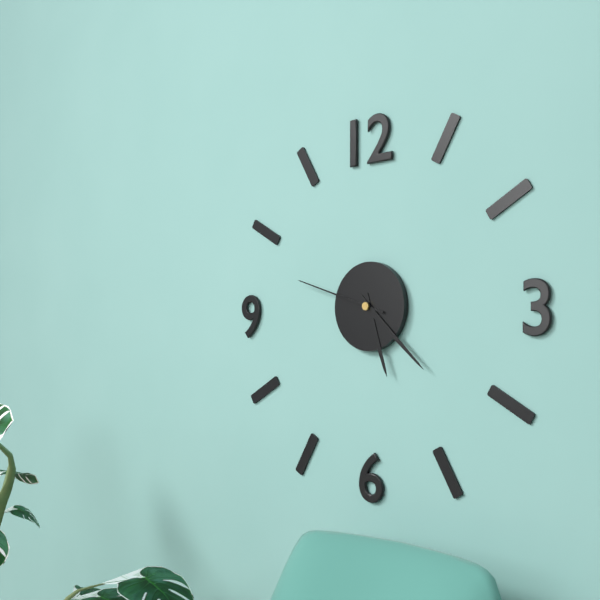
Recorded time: 5:22:48
